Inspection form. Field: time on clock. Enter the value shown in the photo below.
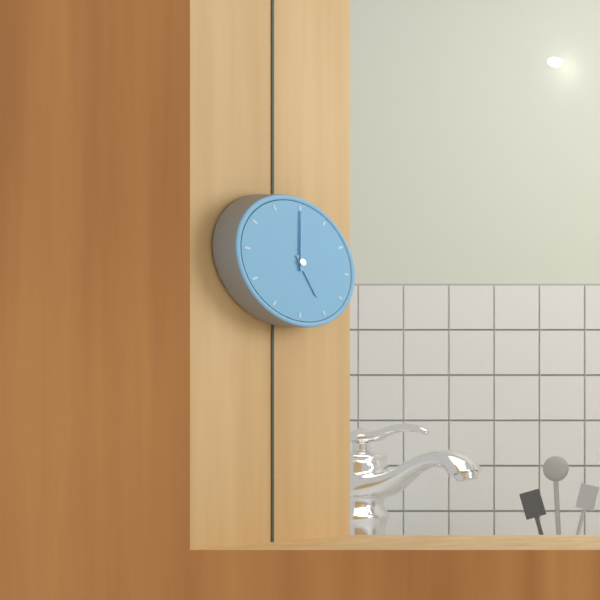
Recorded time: 5:00
